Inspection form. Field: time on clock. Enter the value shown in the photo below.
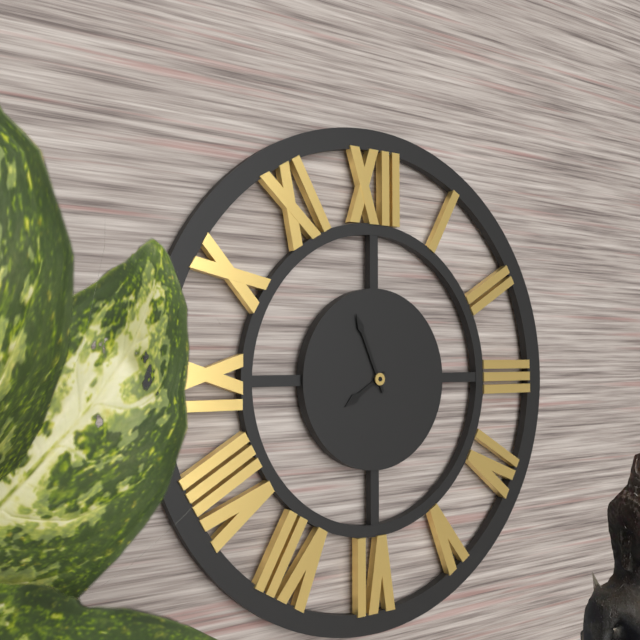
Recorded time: 7:56
